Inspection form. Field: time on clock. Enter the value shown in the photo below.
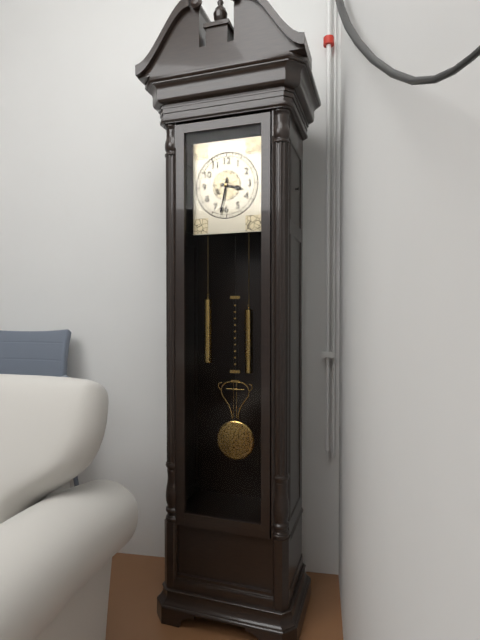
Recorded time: 3:32
